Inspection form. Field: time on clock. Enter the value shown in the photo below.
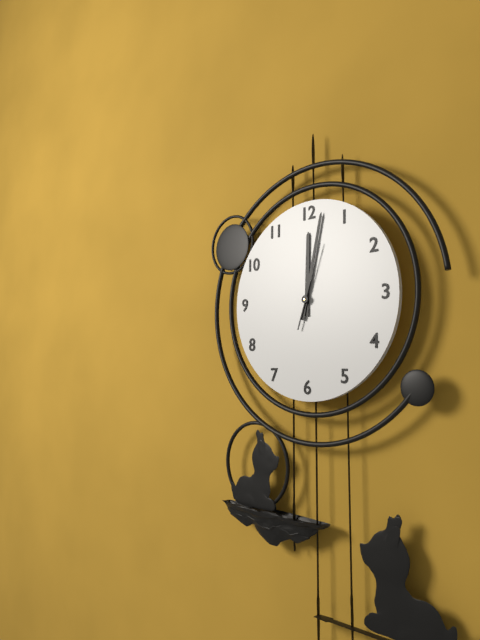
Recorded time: 12:02:03
